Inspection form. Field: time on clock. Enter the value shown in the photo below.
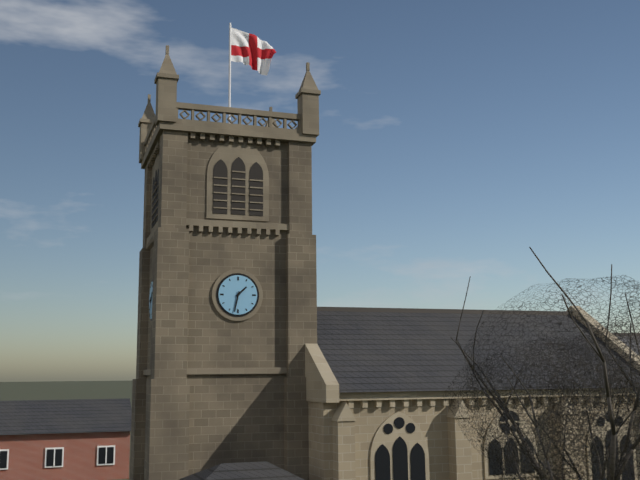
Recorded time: 1:32
